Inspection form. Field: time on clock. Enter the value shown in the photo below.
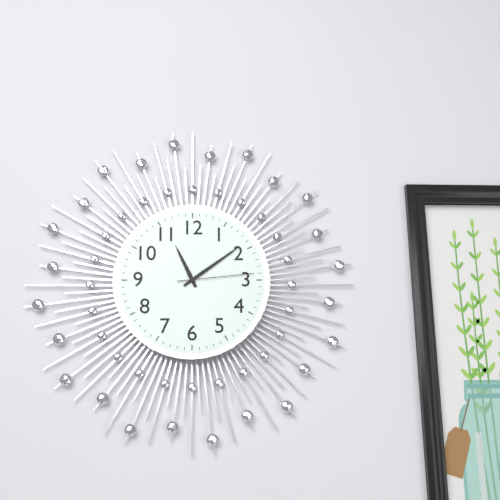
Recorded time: 11:09:14
